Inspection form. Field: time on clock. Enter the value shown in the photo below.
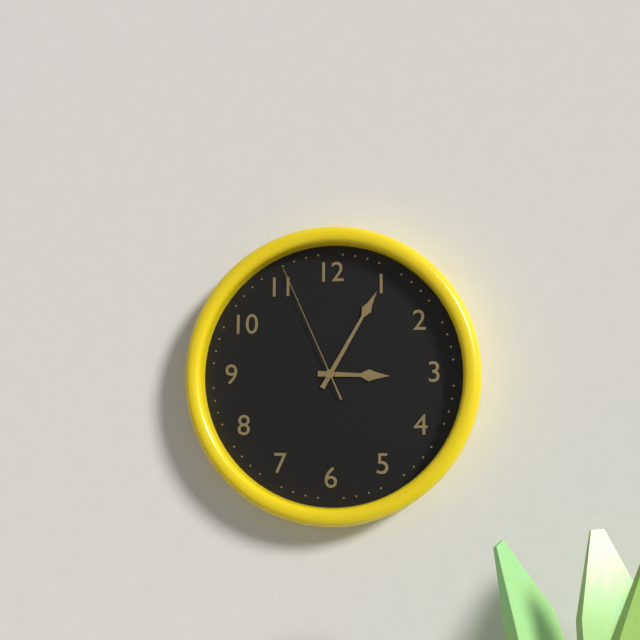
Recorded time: 3:05:56
